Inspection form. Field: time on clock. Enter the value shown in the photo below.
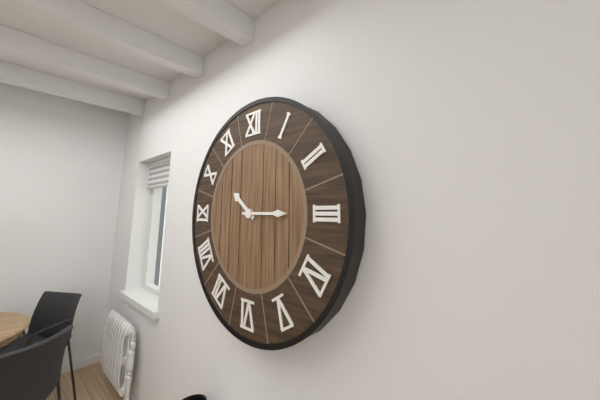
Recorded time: 10:15
